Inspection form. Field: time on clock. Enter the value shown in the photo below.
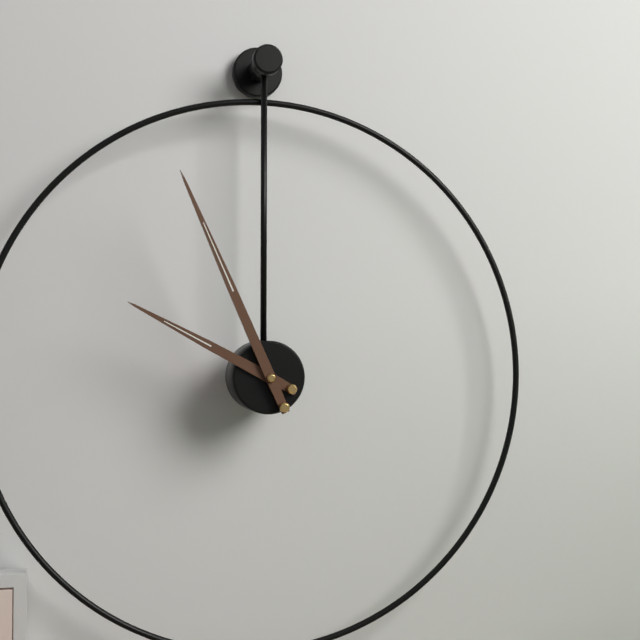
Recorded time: 9:56
